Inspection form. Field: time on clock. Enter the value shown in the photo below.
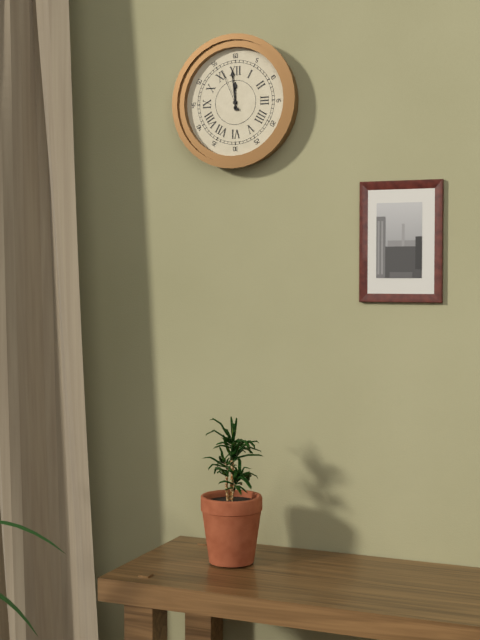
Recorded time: 11:59
